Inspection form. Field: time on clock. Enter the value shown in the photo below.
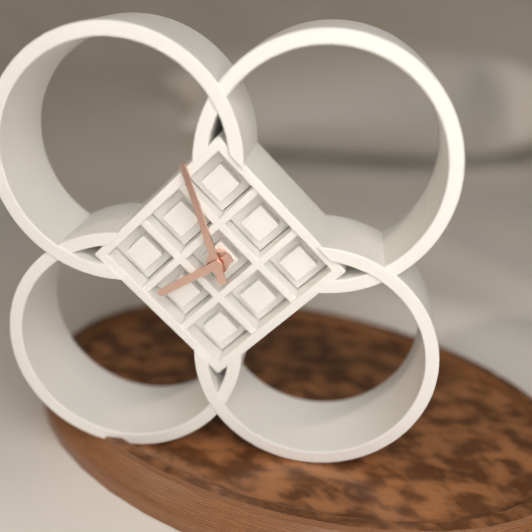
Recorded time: 7:57
